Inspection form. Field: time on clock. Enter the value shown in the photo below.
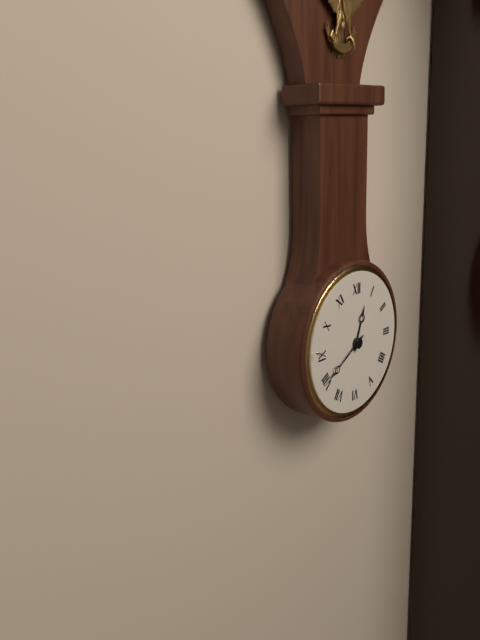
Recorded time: 12:40
